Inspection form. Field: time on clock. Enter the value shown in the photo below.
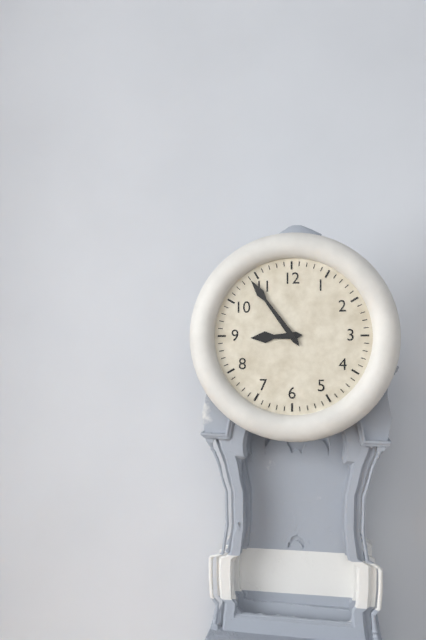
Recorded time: 8:54
